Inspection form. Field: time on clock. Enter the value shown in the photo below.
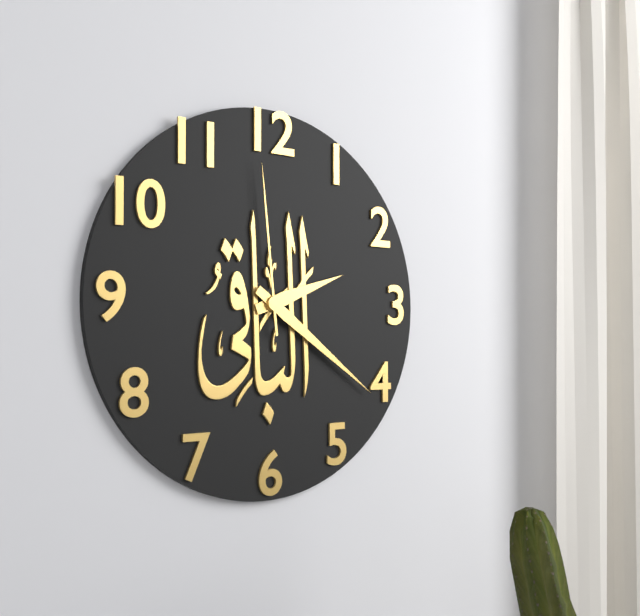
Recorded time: 2:21:59
